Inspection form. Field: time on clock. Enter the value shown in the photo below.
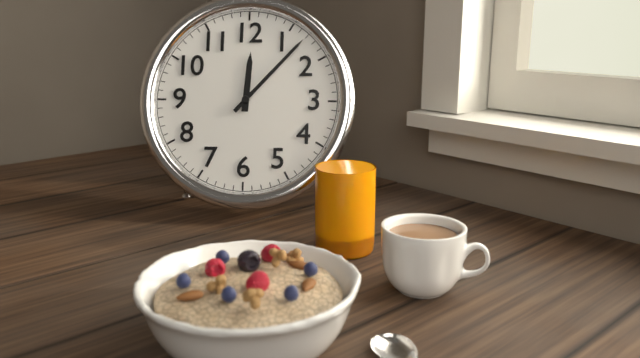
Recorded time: 12:07
